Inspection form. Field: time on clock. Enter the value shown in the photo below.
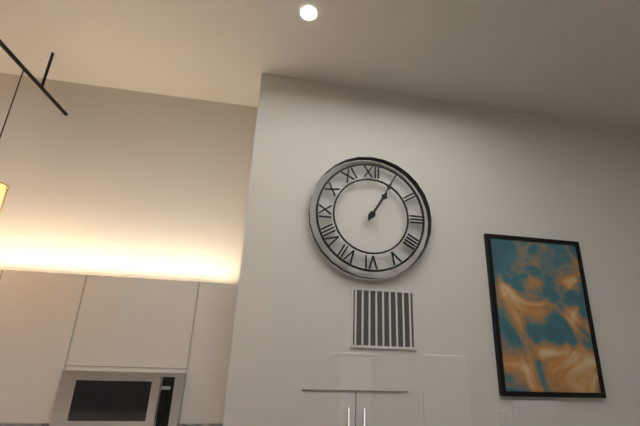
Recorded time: 1:05
